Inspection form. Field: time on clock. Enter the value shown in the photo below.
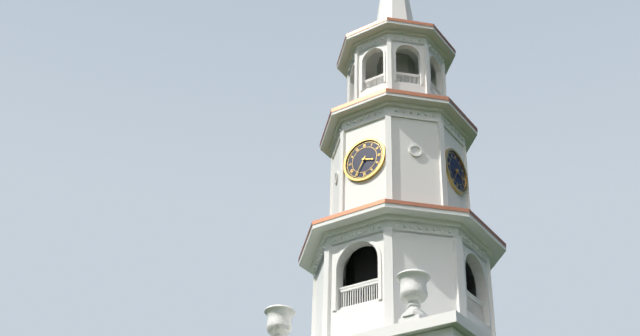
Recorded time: 3:35
